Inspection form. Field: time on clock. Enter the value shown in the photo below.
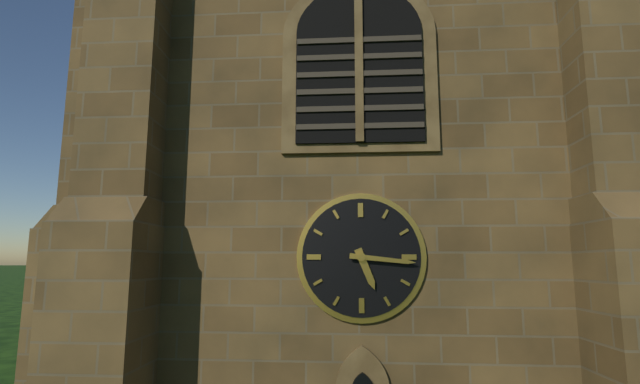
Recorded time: 5:16
